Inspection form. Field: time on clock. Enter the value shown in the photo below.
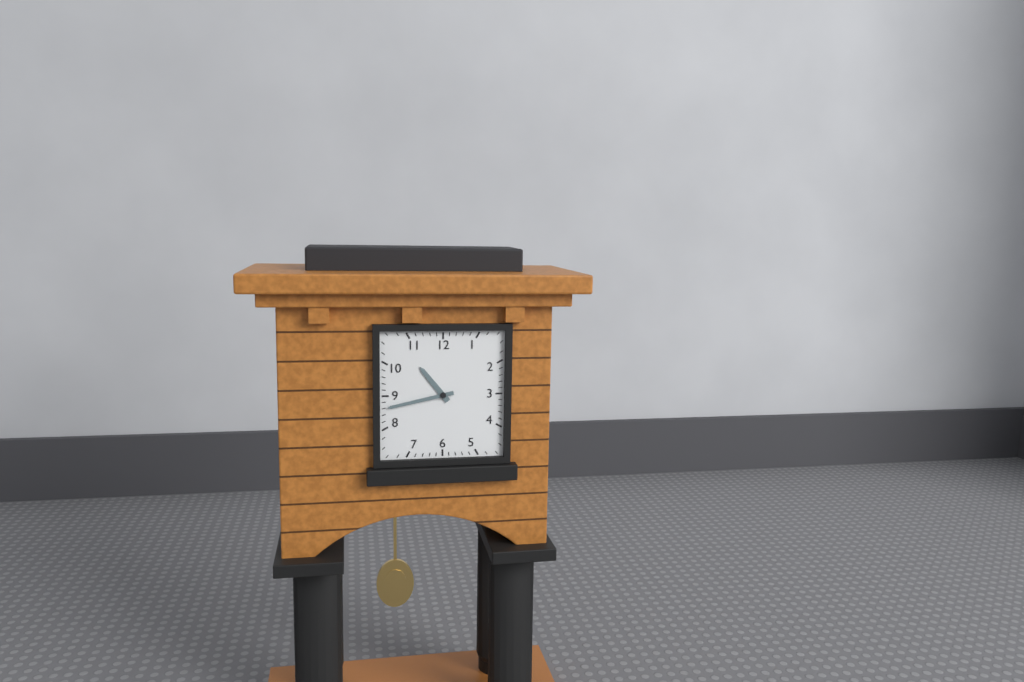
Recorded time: 10:43
